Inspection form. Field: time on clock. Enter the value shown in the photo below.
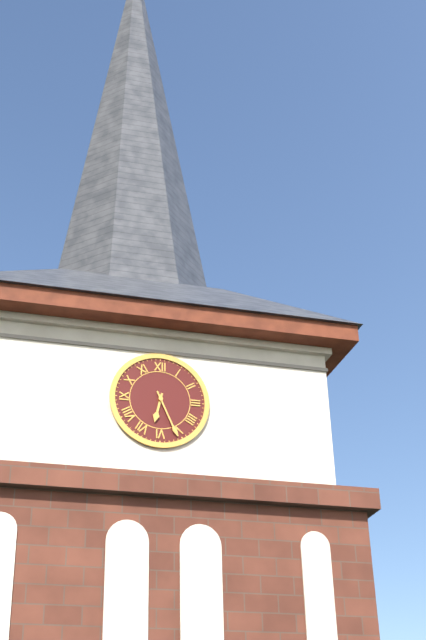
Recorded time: 6:26
